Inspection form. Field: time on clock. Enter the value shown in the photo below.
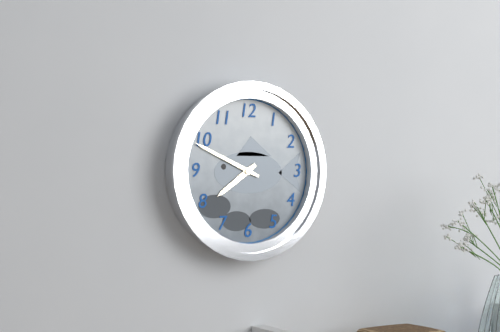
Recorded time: 7:49
